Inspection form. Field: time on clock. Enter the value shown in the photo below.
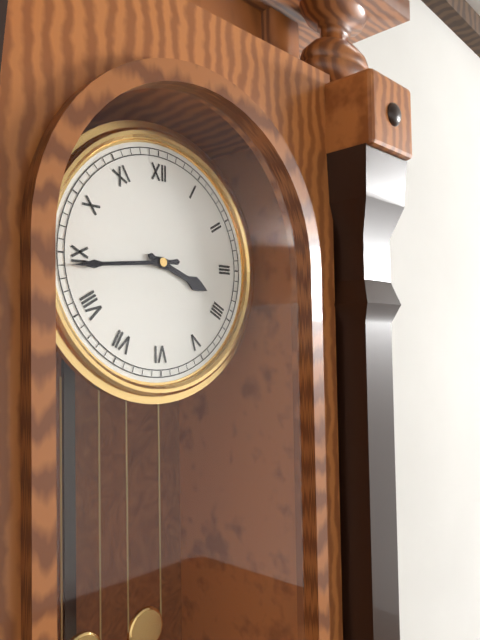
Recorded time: 3:44
